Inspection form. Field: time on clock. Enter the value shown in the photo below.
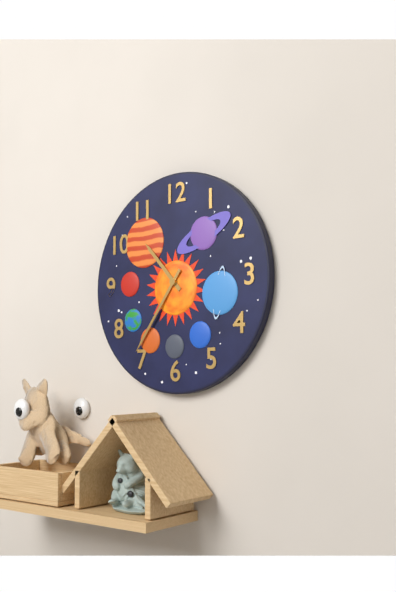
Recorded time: 10:36
